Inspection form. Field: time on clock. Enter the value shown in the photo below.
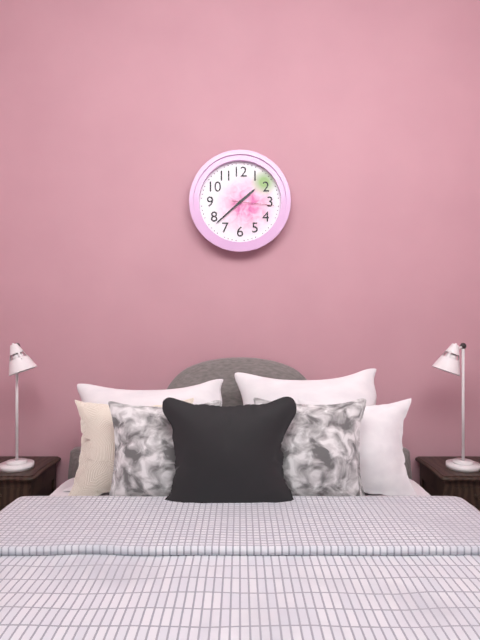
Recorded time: 1:38
